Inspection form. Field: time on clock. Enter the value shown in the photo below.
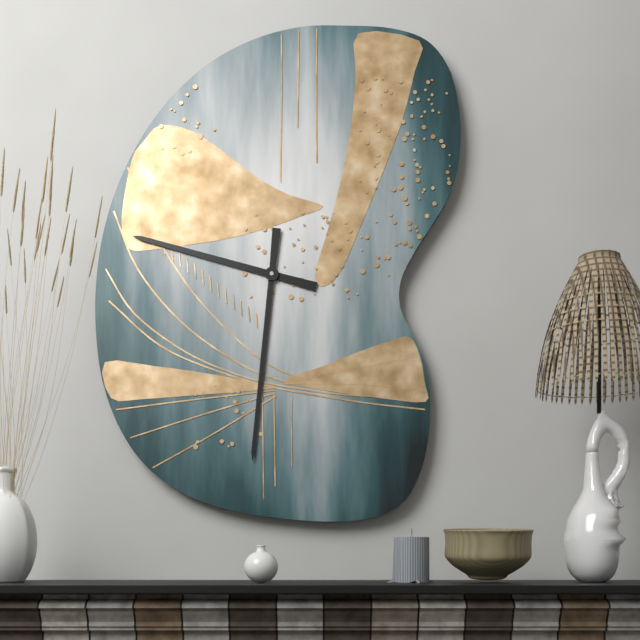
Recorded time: 9:31
